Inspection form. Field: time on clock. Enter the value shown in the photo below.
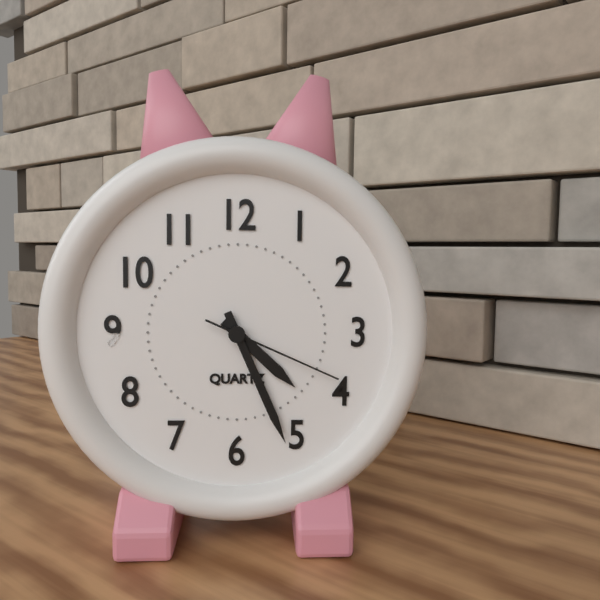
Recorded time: 4:26:19
